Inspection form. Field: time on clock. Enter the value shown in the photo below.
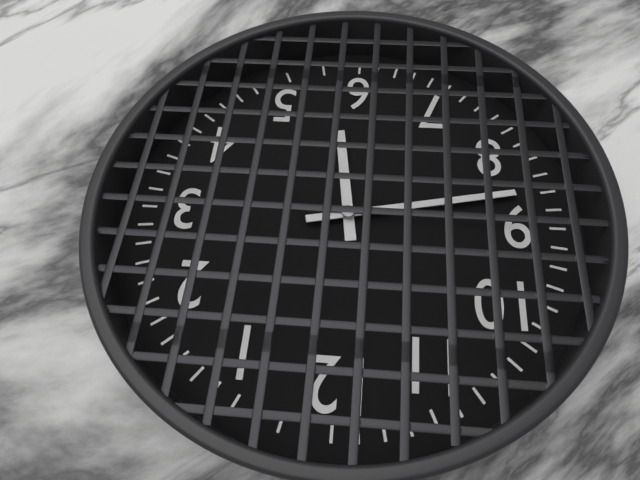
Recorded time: 5:43
